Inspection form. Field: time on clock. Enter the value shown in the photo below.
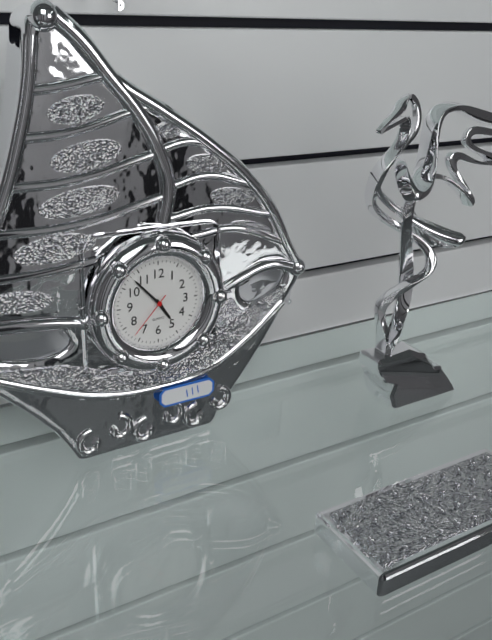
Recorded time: 4:53:37
